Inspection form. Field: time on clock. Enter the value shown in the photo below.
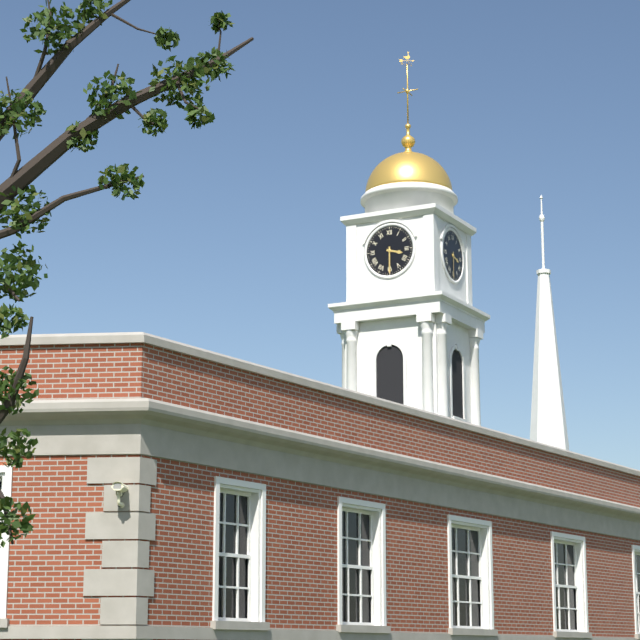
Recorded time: 3:30
